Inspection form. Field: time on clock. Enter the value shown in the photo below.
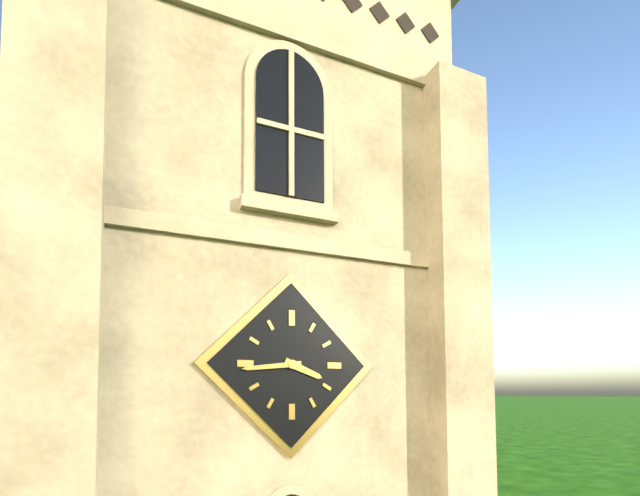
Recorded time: 3:44
